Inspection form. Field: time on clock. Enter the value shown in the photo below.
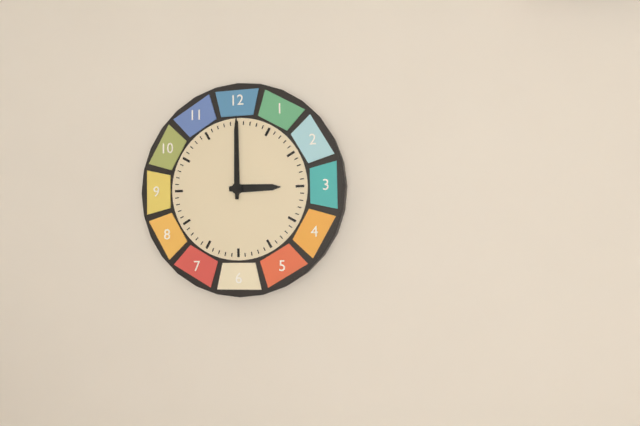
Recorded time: 3:00
